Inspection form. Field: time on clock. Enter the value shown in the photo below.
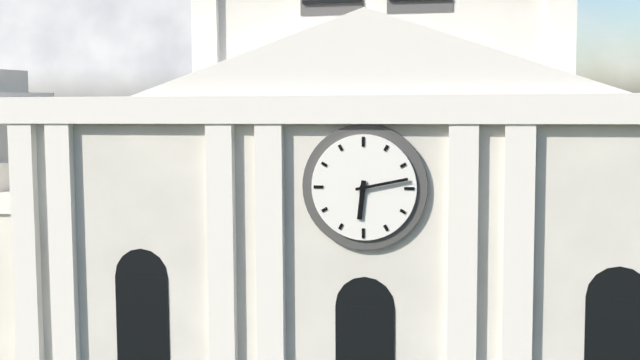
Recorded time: 6:13
